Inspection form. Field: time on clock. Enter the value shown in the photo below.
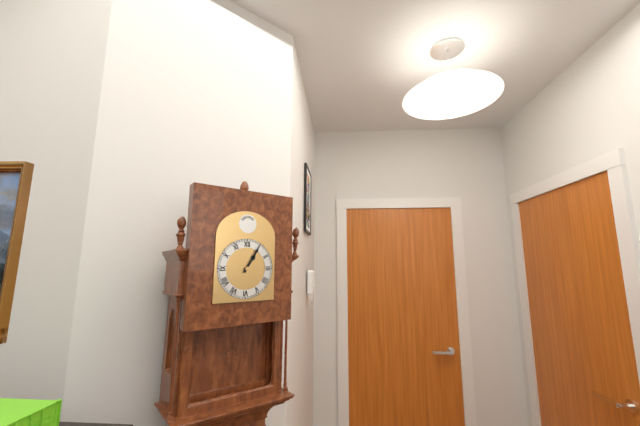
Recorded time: 1:05
